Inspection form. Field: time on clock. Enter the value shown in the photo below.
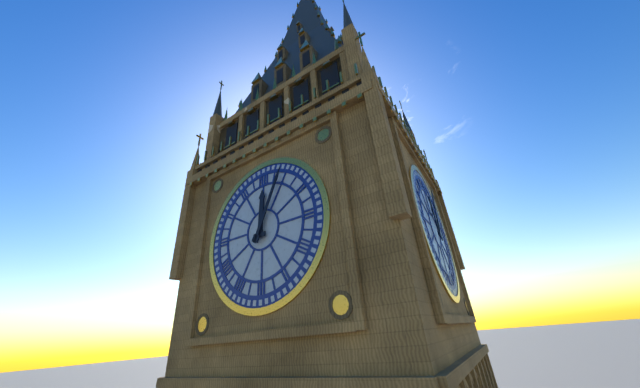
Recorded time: 12:04
